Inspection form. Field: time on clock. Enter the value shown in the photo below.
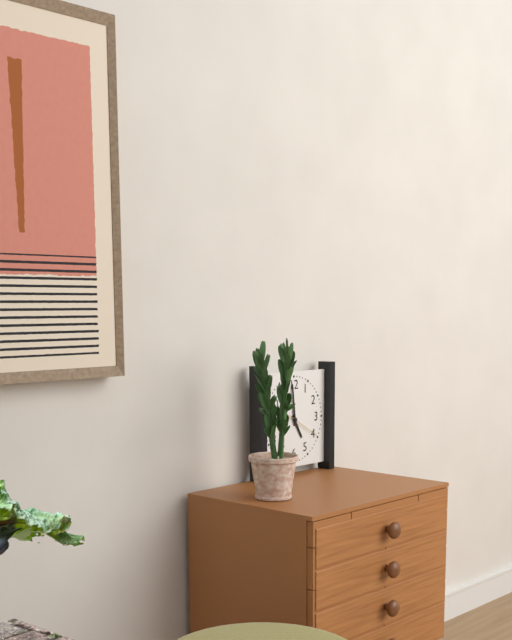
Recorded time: 4:59
